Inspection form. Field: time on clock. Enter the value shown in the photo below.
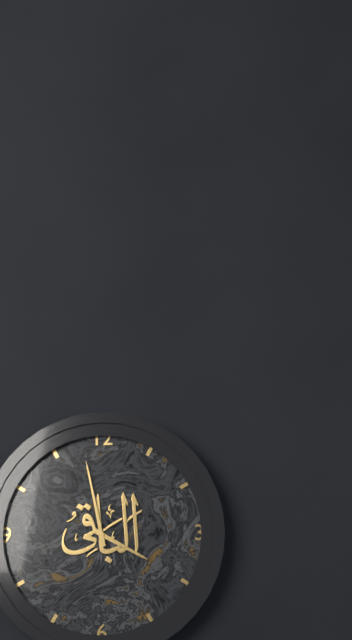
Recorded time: 3:58
